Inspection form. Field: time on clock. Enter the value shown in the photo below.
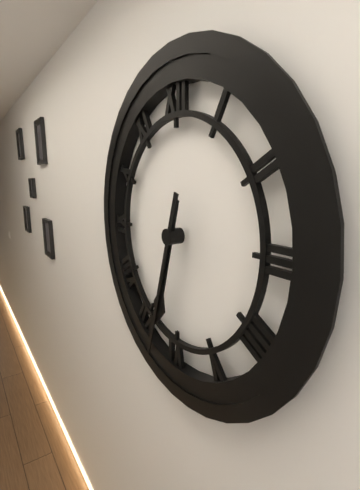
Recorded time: 6:33
